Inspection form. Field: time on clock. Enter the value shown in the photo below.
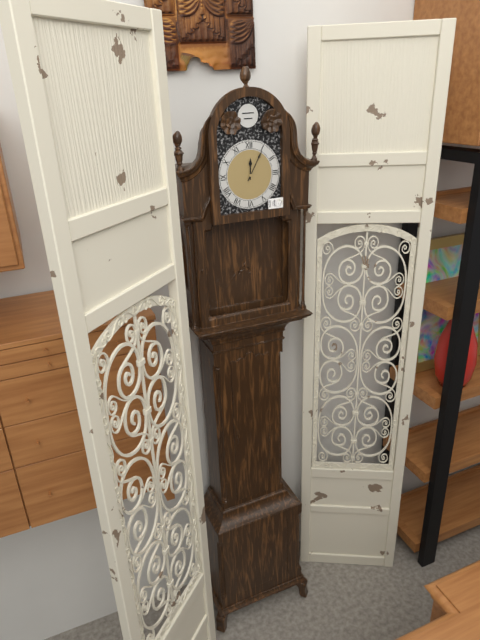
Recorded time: 12:05
